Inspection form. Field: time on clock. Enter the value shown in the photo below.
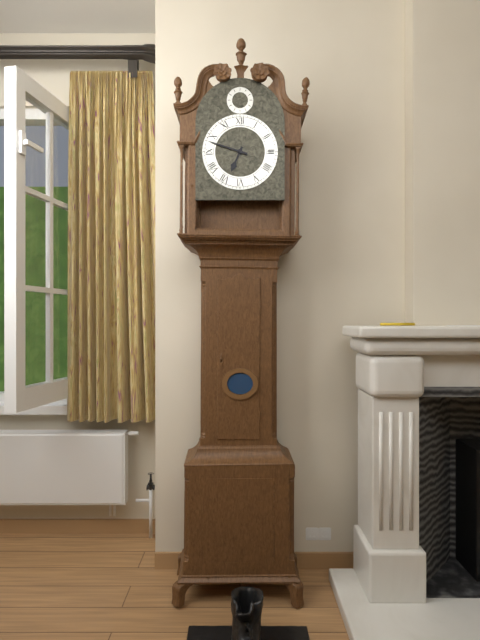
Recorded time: 6:48
